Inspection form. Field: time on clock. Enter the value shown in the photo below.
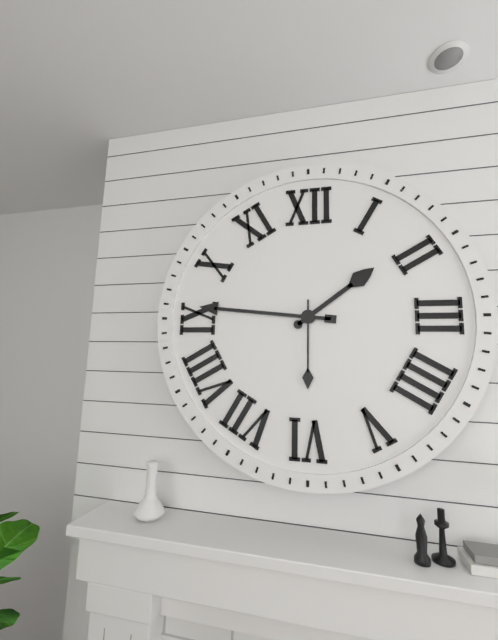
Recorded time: 1:46:30
